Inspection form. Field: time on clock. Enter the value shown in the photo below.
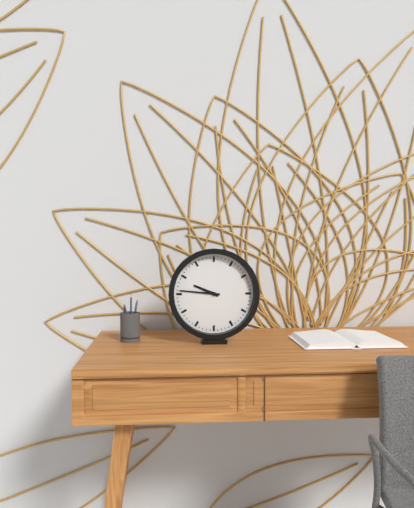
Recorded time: 9:46
